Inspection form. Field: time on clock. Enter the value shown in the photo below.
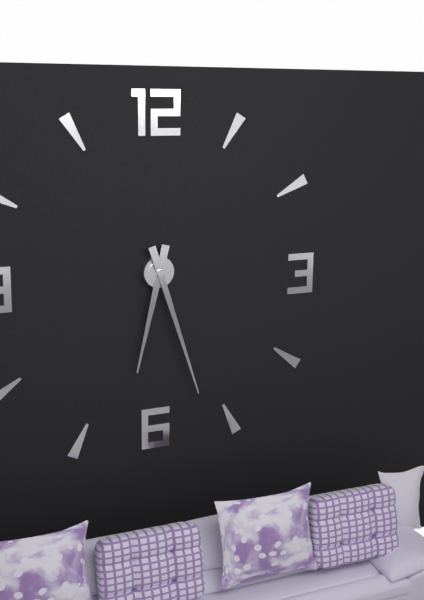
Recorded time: 6:27
